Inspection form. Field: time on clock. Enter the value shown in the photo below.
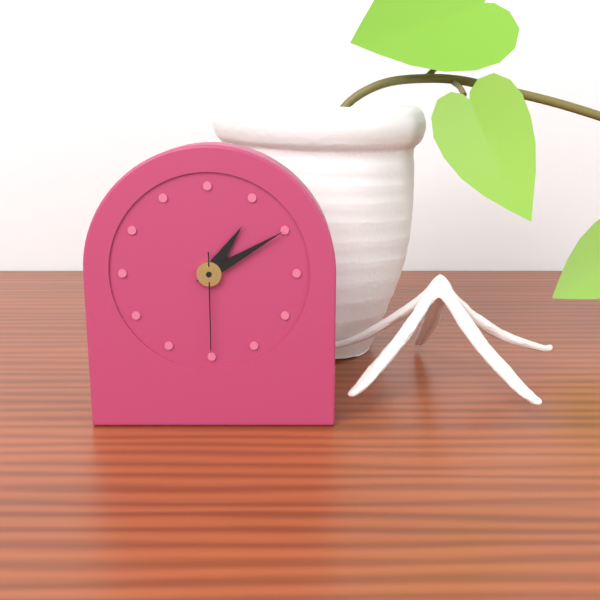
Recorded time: 1:10:30
